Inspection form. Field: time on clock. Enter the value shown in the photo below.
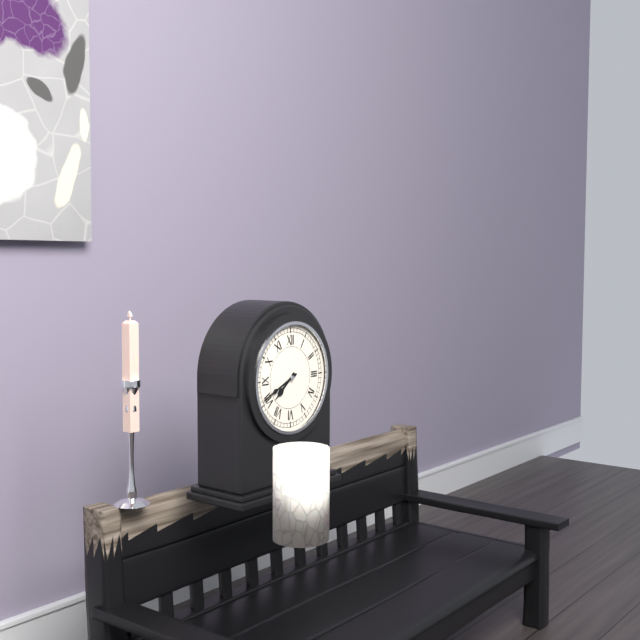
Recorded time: 7:41
